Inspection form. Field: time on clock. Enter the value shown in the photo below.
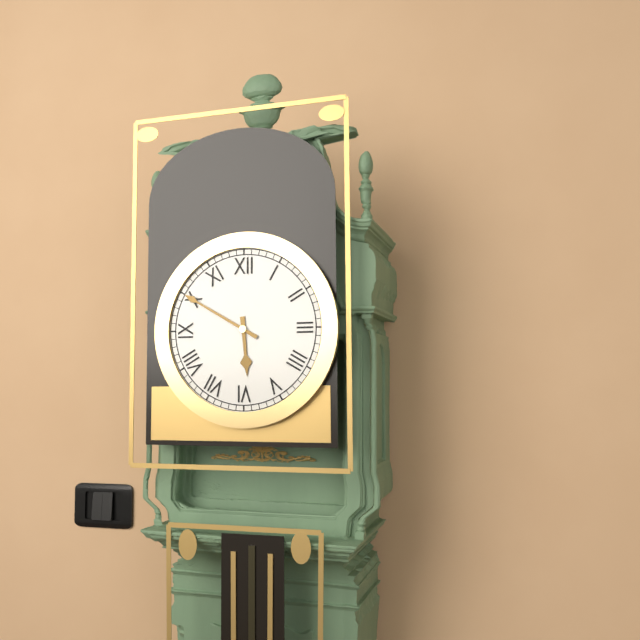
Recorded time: 5:50
